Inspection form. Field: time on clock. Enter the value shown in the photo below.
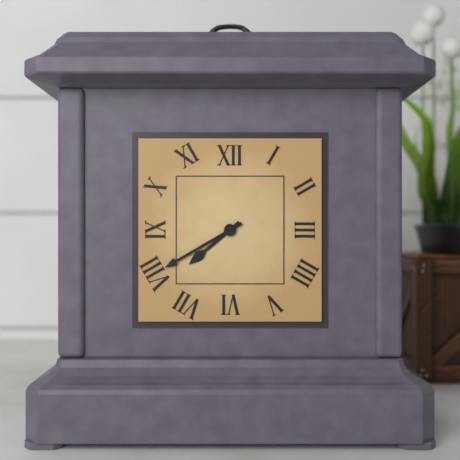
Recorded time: 7:40
